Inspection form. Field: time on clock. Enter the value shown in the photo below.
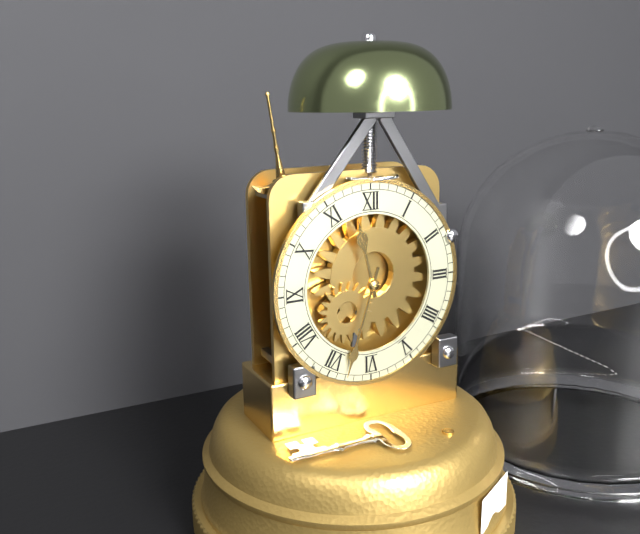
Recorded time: 11:33
